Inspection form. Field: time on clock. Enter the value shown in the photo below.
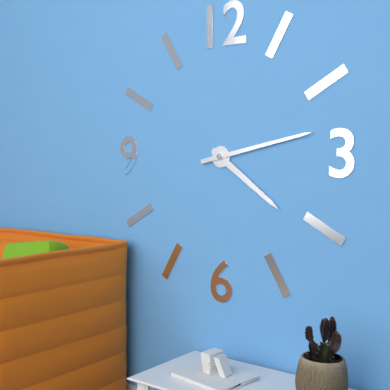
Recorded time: 4:13
